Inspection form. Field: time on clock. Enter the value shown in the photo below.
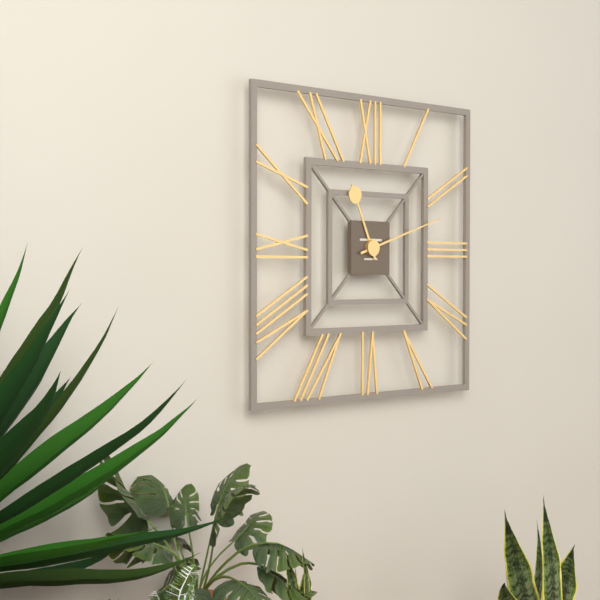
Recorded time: 11:12
